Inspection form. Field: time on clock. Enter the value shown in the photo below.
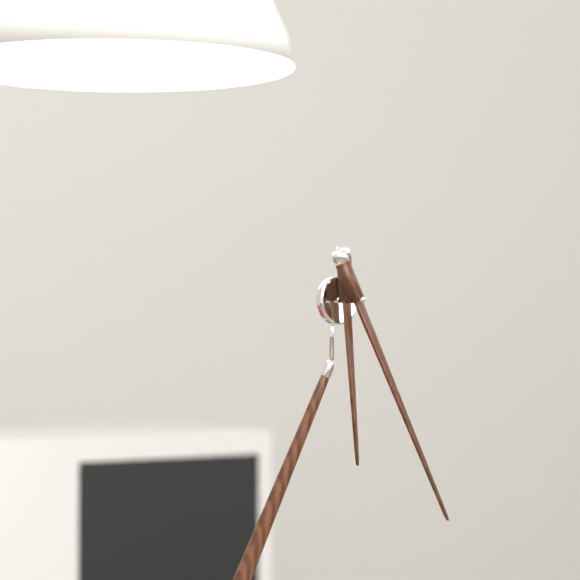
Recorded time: 5:23
